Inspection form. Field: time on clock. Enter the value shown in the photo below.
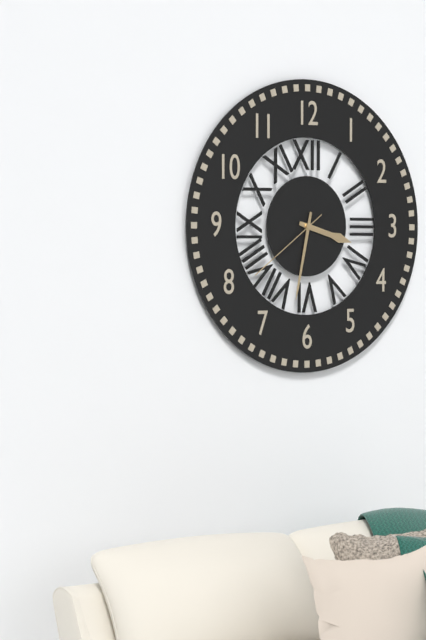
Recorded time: 3:32:39
